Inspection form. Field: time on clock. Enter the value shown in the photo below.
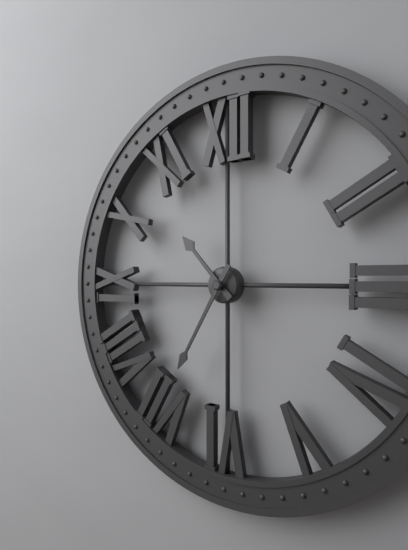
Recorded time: 10:35
